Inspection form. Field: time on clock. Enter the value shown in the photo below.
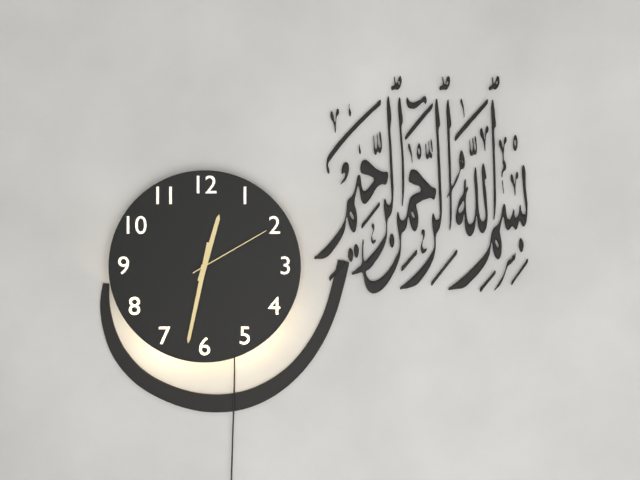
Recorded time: 12:32:10
